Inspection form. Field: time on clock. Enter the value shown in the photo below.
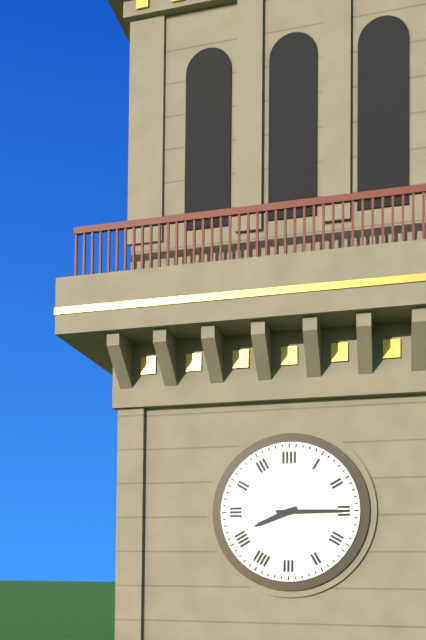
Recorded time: 8:15
